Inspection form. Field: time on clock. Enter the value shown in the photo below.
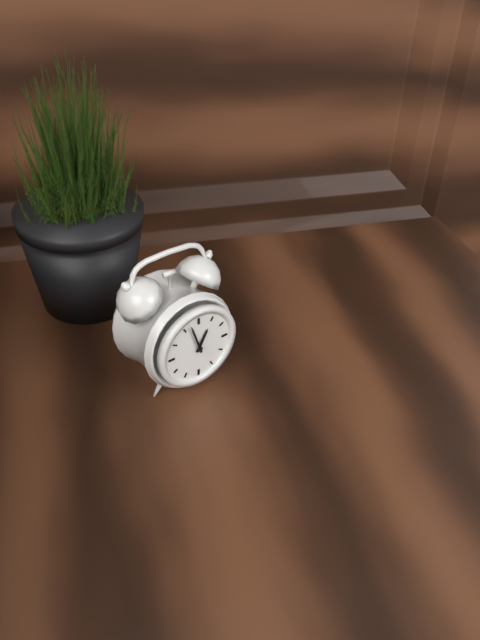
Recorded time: 12:57
